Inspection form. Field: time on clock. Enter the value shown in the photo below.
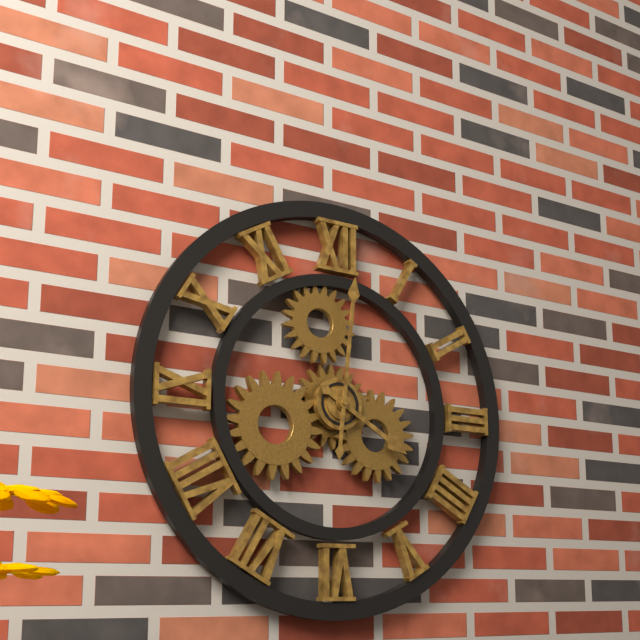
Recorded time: 4:01
